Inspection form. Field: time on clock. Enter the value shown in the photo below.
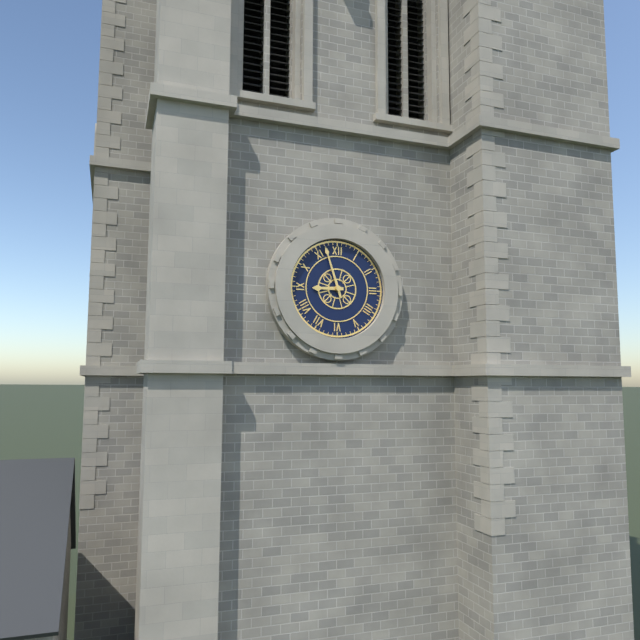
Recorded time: 8:57
